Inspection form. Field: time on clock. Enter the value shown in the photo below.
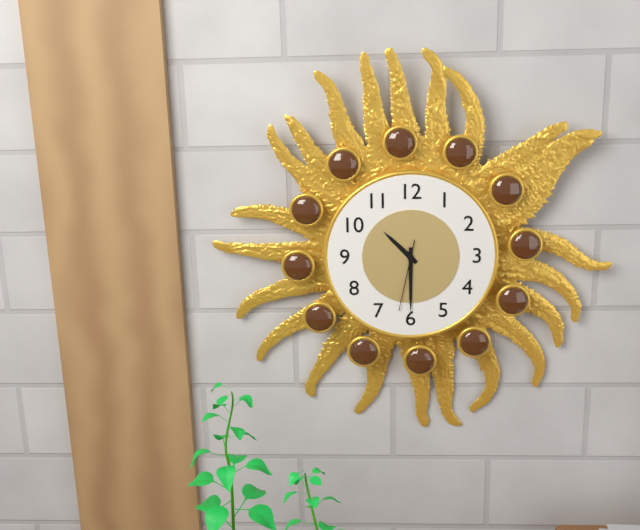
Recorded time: 10:30:32
